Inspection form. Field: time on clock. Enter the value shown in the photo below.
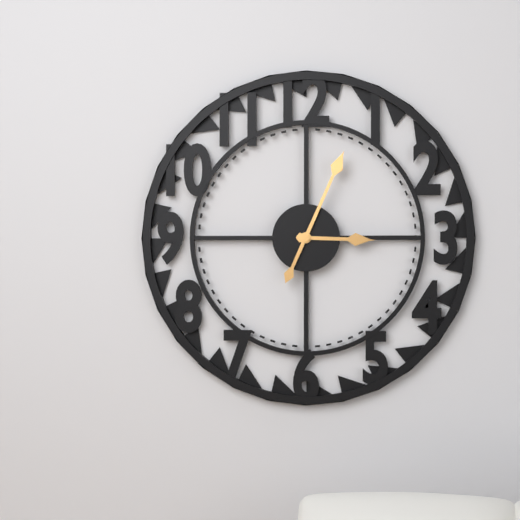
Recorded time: 3:04
